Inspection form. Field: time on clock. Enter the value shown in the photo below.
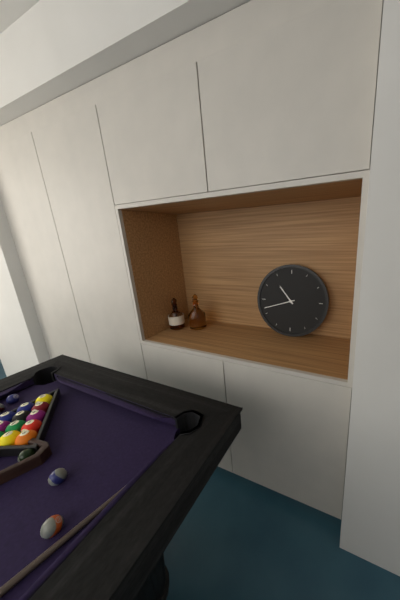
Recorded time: 10:42
